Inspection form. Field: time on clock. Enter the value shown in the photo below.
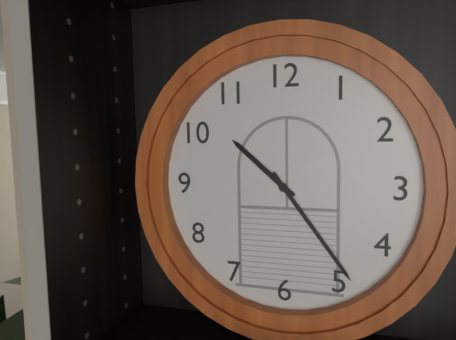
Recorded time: 10:24
